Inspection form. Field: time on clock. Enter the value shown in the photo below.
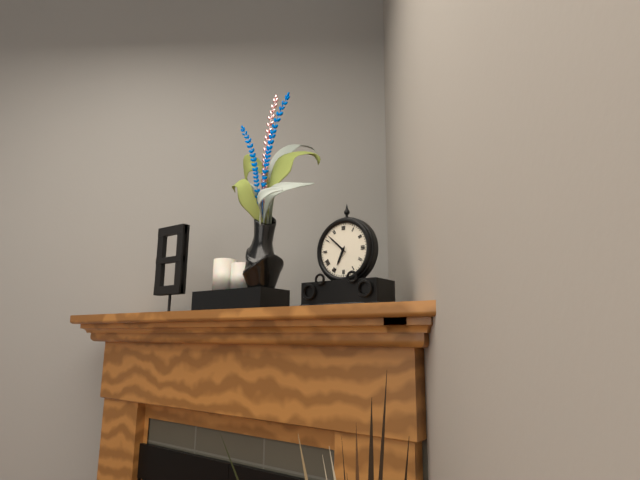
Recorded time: 6:52
